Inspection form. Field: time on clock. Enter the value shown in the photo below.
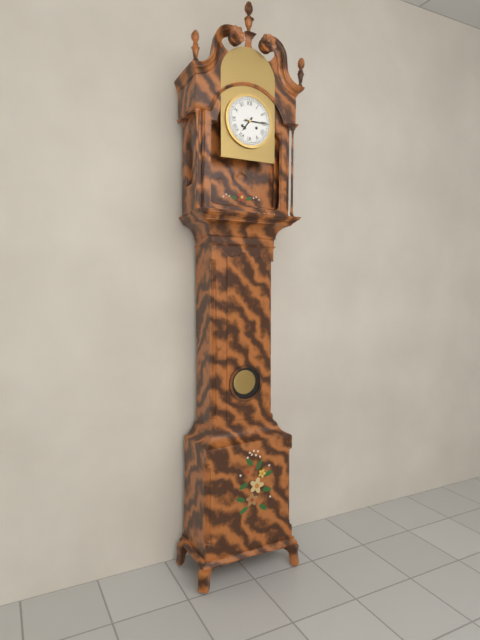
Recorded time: 7:15
